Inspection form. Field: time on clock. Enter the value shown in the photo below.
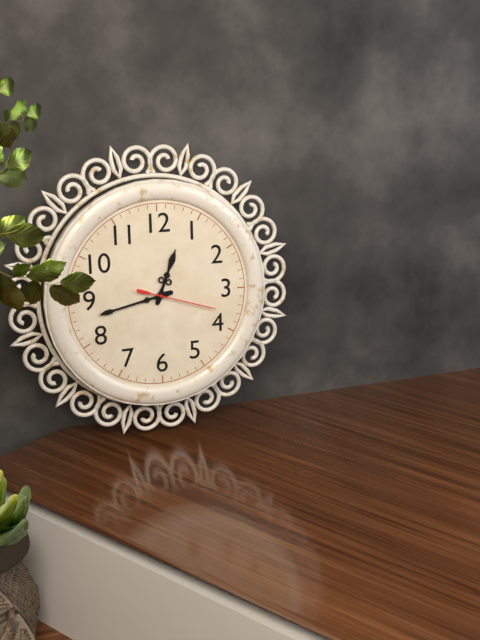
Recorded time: 12:43:18
